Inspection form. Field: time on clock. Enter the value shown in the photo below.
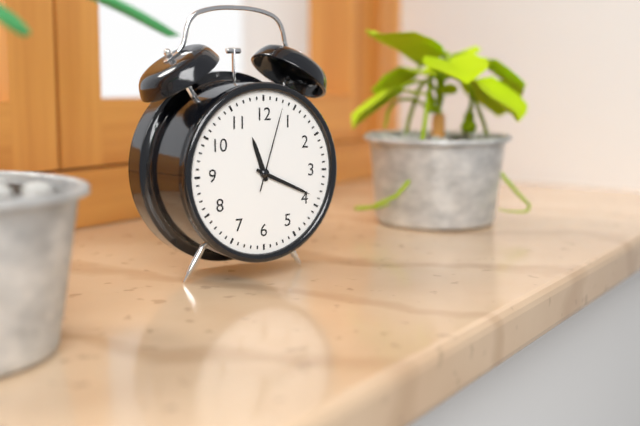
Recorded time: 11:19:03
